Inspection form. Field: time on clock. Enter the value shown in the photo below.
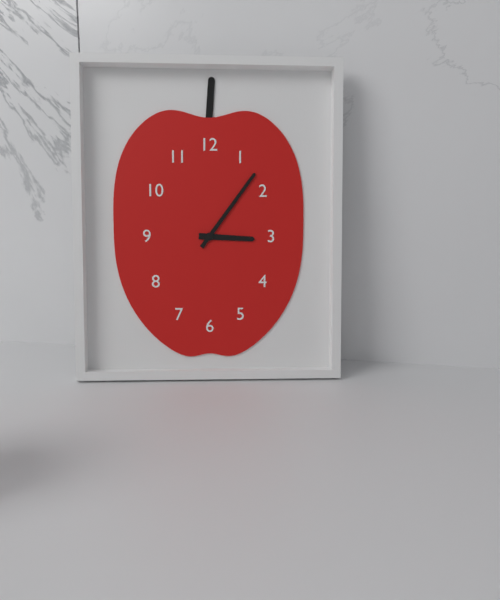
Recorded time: 3:06
